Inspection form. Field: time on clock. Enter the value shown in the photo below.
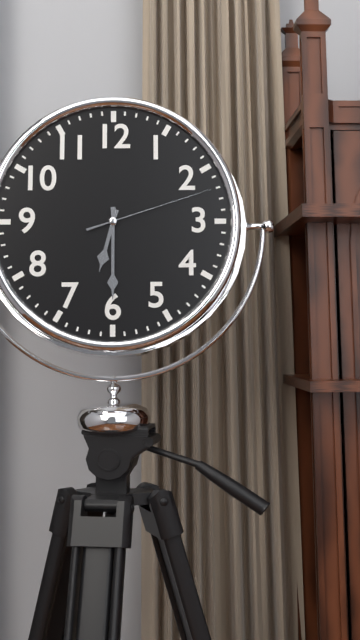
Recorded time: 6:30:12
